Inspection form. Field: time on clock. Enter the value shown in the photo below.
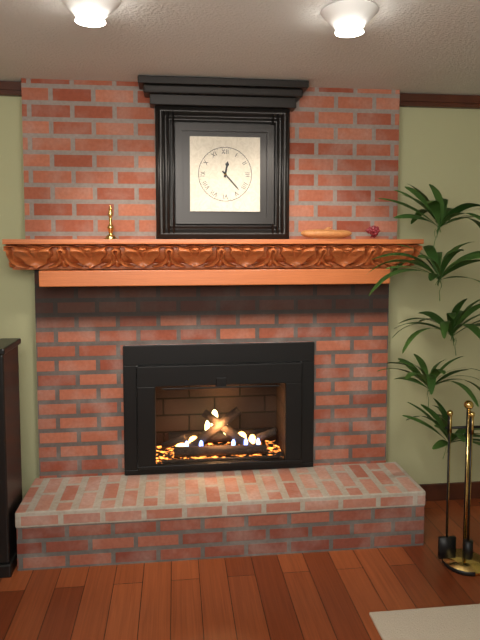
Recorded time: 12:23
